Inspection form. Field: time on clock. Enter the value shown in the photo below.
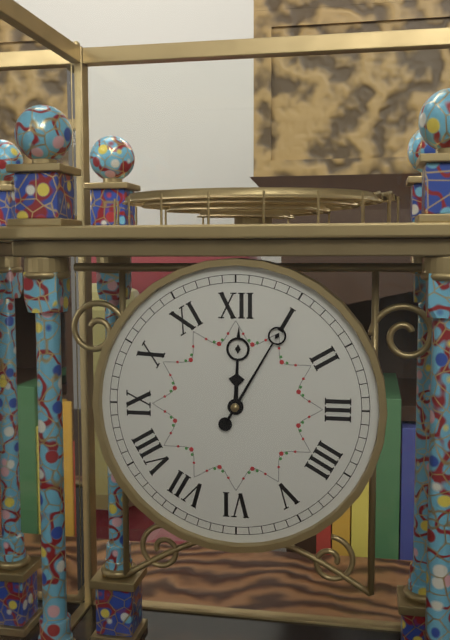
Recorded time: 12:05
